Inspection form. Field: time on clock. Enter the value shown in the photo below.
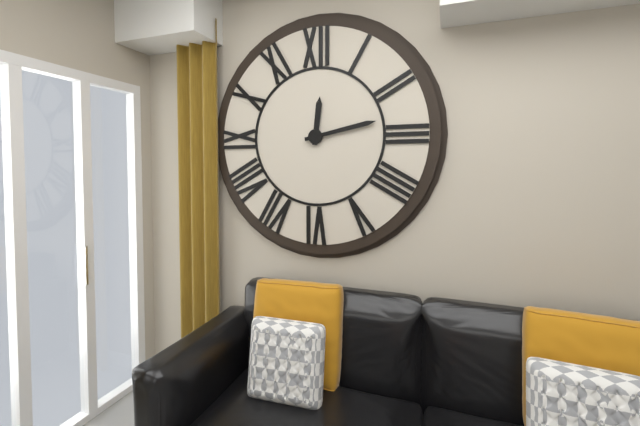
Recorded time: 12:13
